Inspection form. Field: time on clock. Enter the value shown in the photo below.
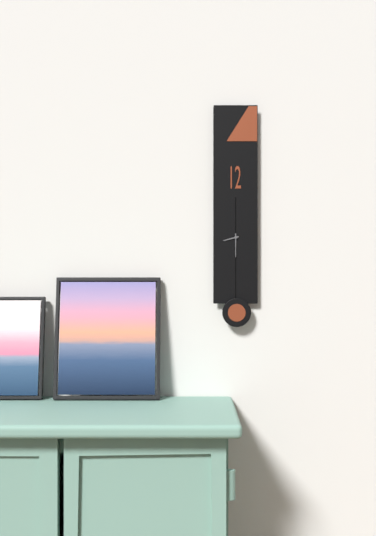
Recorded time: 8:30
